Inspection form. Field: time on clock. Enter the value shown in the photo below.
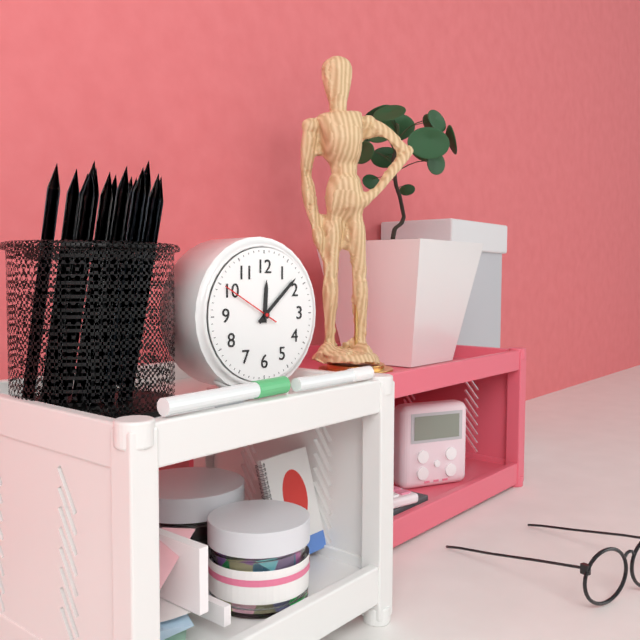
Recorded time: 12:08:50
